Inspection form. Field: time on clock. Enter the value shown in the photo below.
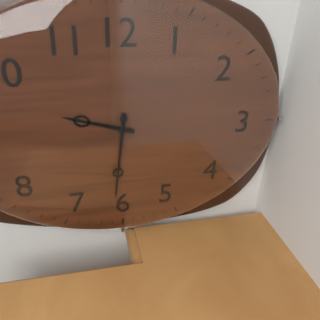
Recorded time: 9:31
